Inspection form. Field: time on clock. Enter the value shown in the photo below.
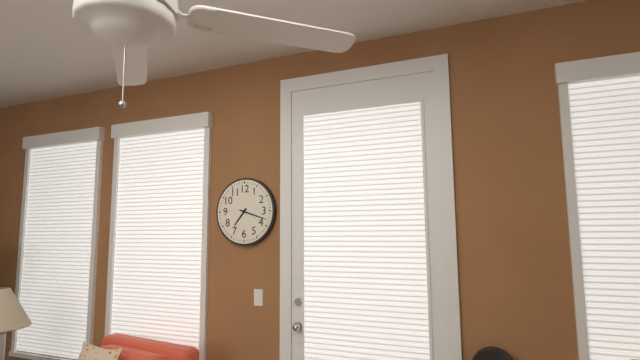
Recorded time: 7:18
